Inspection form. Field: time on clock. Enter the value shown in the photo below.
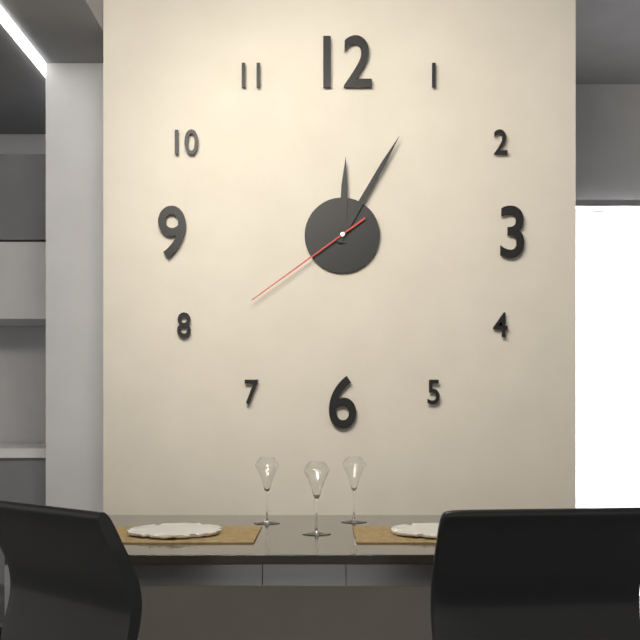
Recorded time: 12:05:39
